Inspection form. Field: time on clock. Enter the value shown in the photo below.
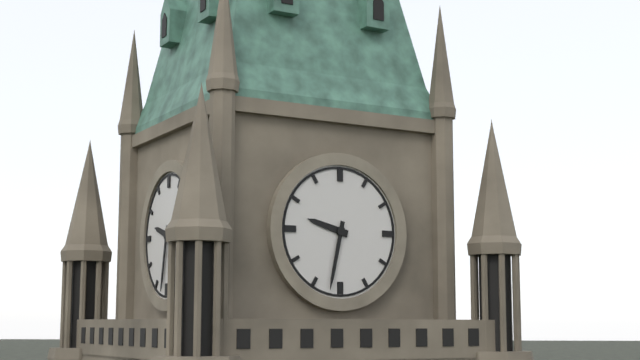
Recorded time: 9:32
